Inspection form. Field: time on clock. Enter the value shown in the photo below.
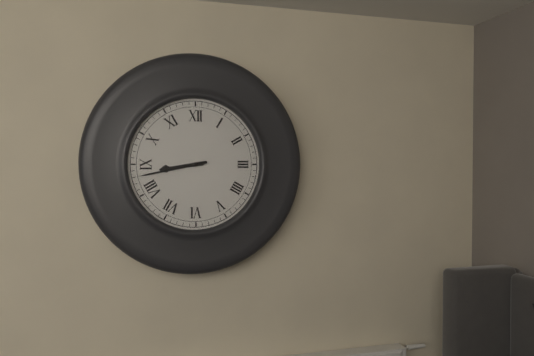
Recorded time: 8:43
